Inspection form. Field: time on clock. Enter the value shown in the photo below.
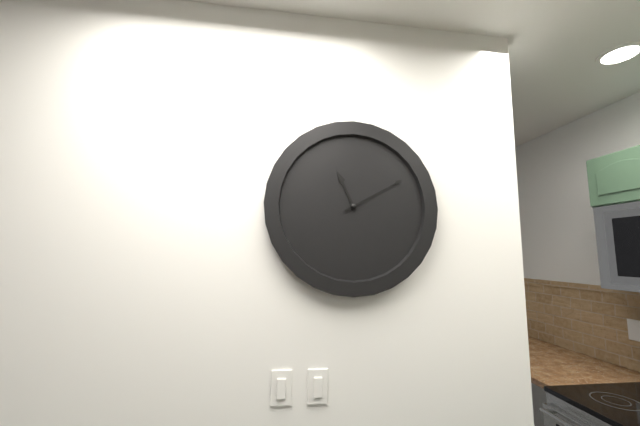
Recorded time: 11:10
